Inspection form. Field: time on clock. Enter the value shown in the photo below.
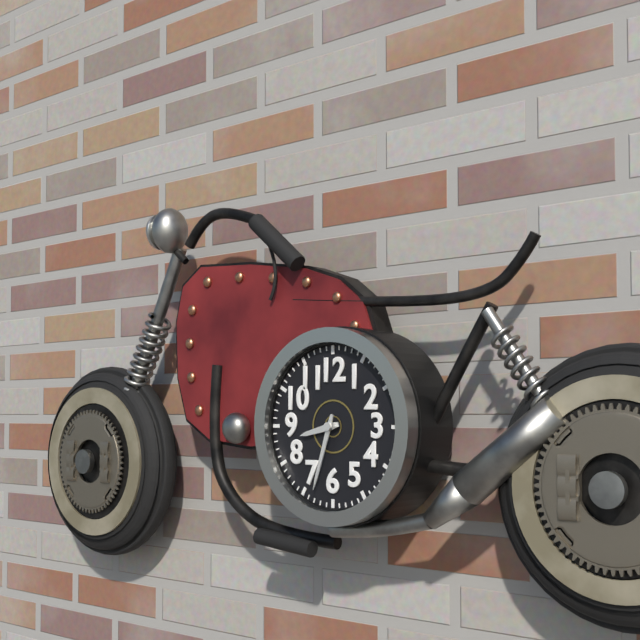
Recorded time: 8:33
